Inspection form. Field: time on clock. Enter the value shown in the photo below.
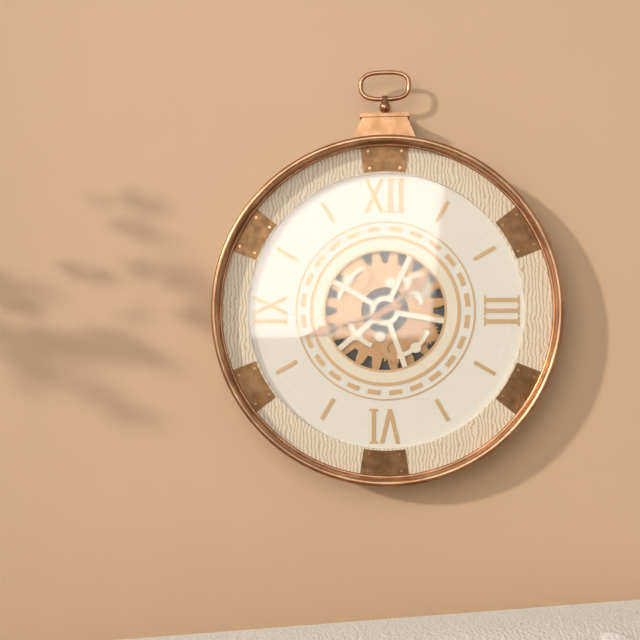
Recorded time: 1:42
